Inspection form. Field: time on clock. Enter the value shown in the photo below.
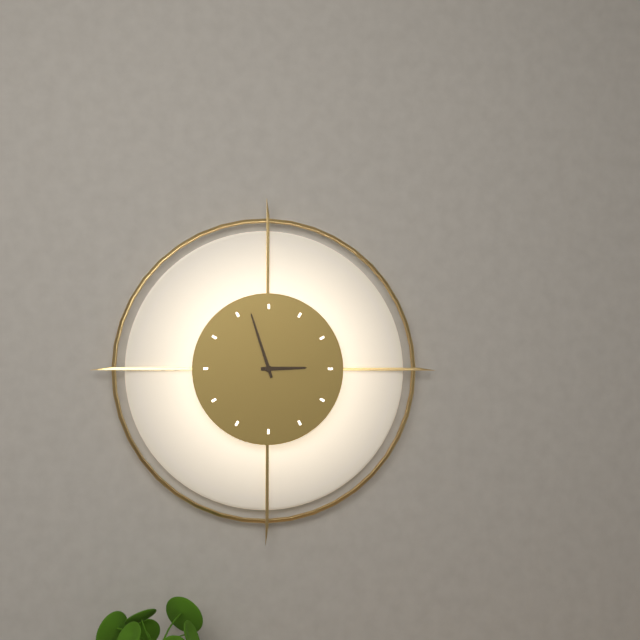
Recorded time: 2:57
